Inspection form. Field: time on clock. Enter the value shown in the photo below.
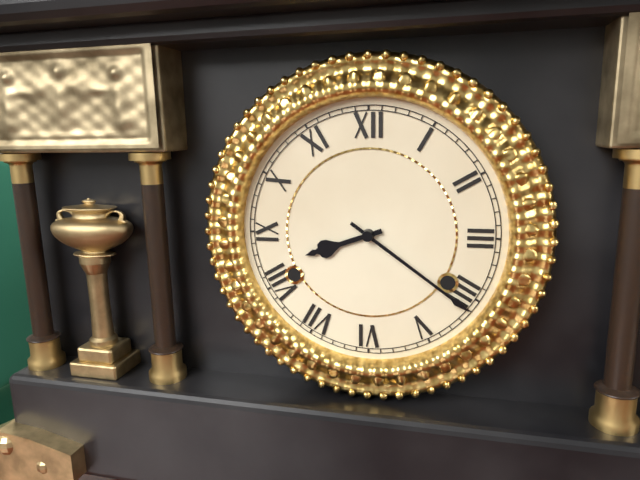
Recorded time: 8:21
